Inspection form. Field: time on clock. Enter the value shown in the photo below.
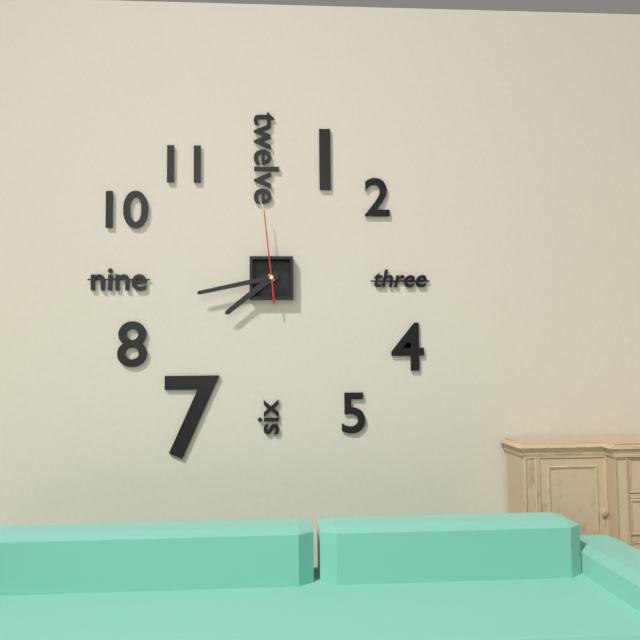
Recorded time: 7:43:59
